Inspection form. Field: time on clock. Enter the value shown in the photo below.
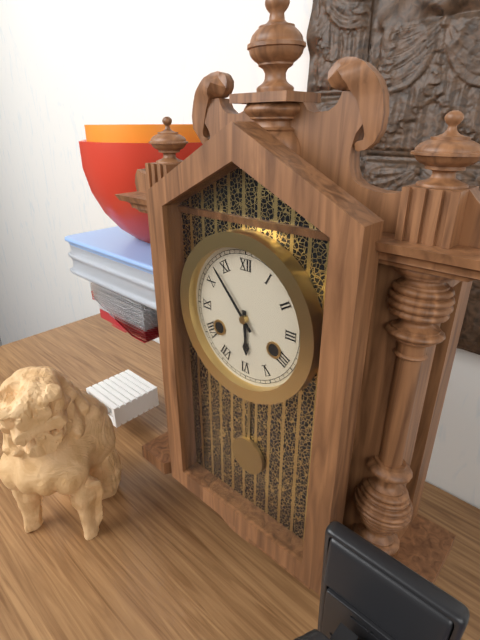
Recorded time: 5:53
